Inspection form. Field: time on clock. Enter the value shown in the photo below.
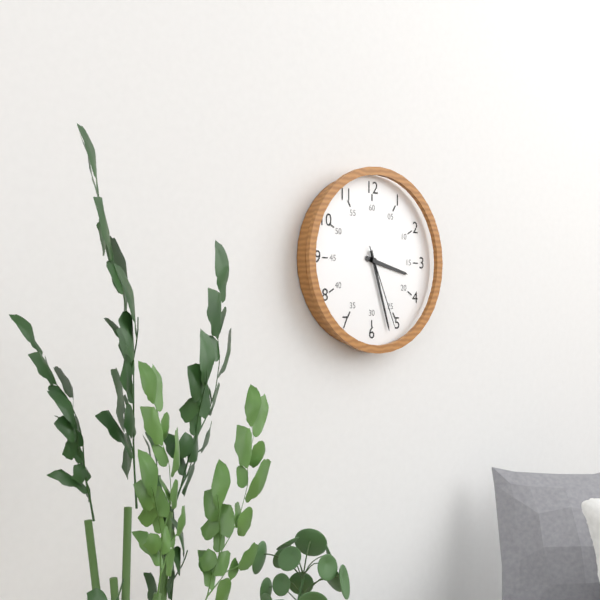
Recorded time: 3:27:26
